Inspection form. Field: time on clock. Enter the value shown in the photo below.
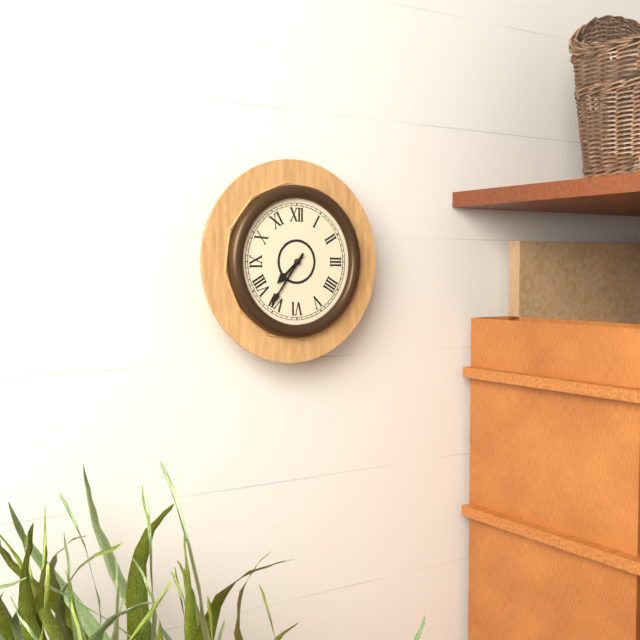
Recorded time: 7:36
